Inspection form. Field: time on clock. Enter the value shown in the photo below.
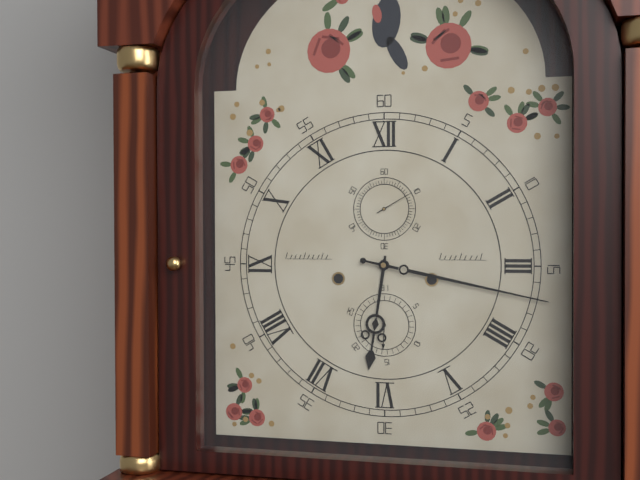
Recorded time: 6:17
